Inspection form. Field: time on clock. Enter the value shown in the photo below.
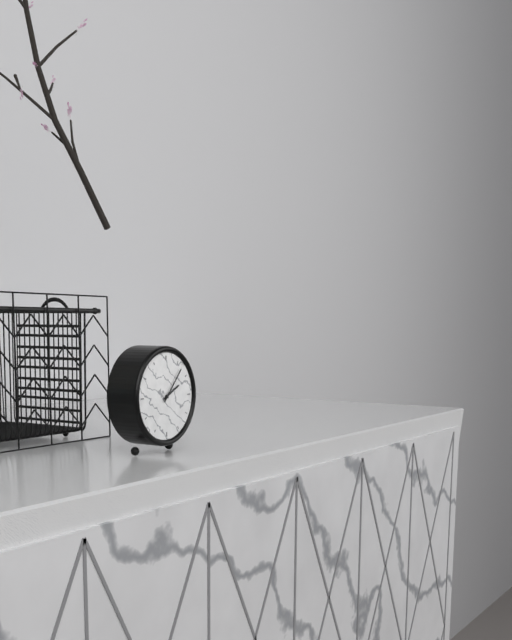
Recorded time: 2:07
